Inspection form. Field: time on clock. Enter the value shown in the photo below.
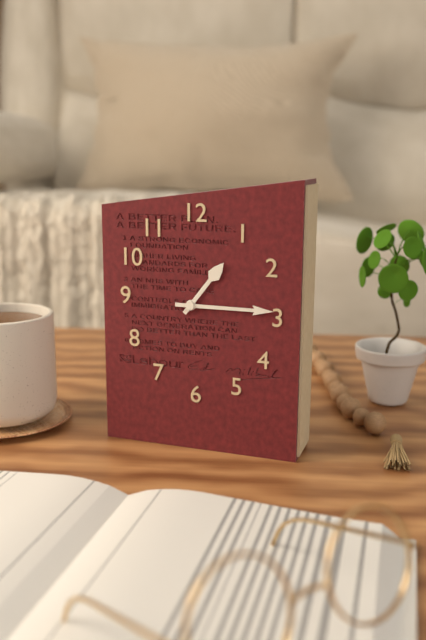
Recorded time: 1:15
